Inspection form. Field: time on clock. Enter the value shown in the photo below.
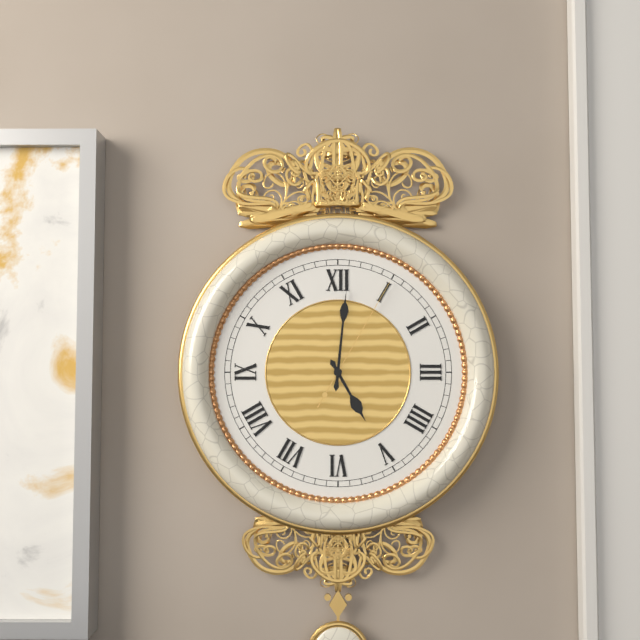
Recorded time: 5:01:05
